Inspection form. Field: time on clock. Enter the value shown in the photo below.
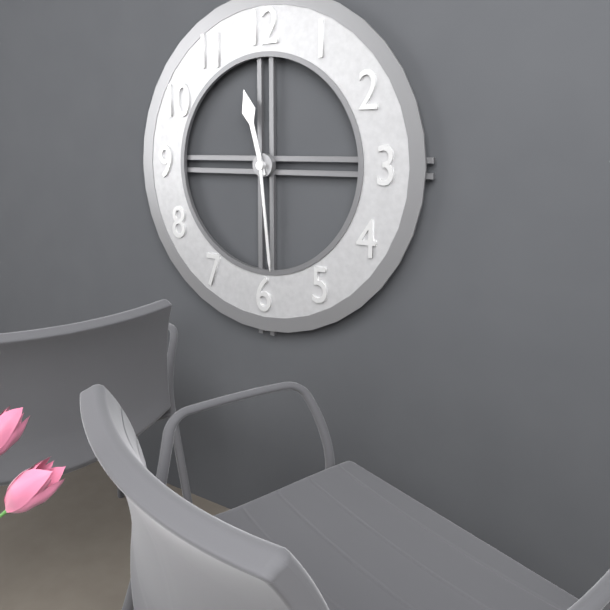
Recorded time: 11:29
